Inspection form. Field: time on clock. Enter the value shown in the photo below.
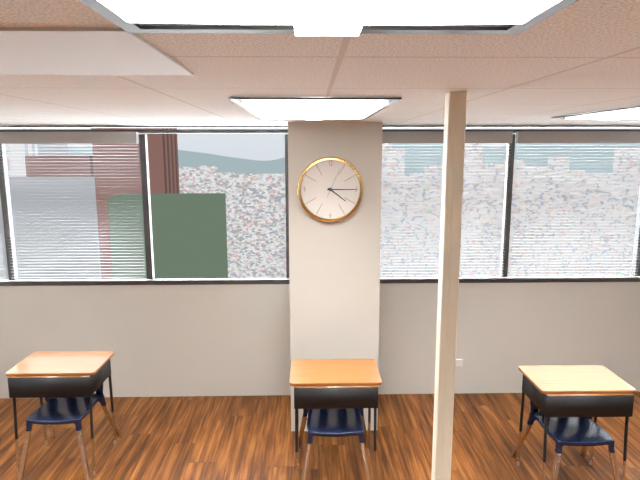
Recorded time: 4:15
